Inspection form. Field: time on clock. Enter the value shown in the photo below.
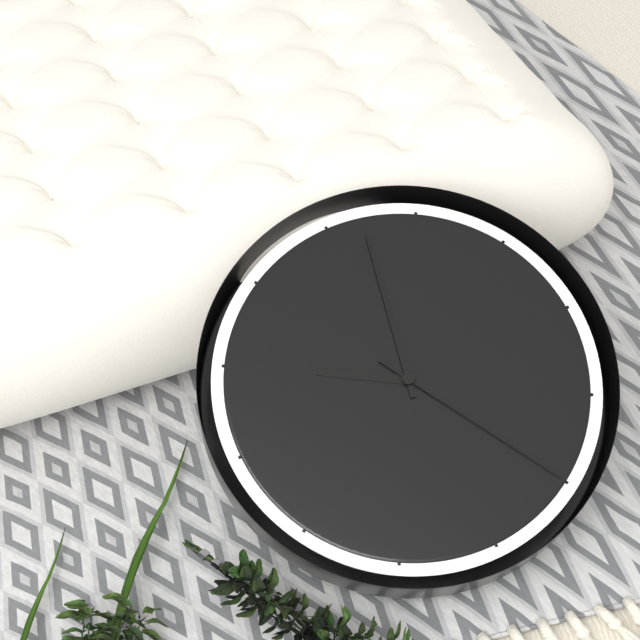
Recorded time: 10:02:25
